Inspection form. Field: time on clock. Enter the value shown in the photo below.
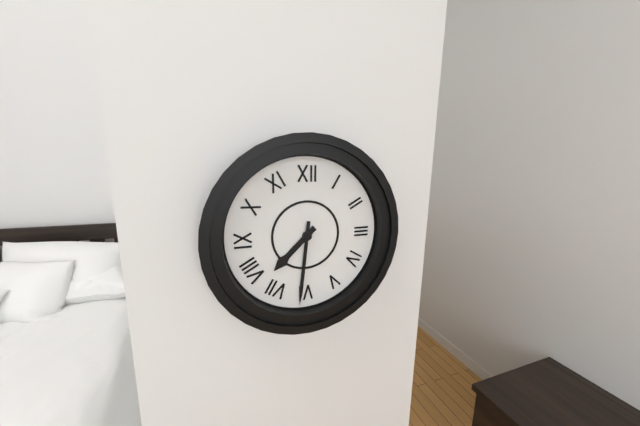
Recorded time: 7:31
